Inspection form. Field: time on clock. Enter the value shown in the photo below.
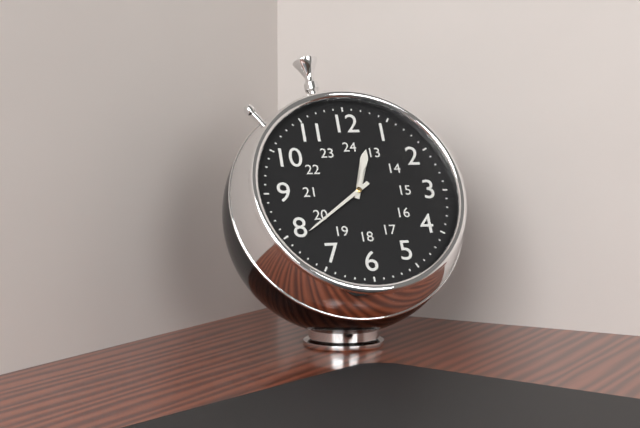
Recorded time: 12:39
